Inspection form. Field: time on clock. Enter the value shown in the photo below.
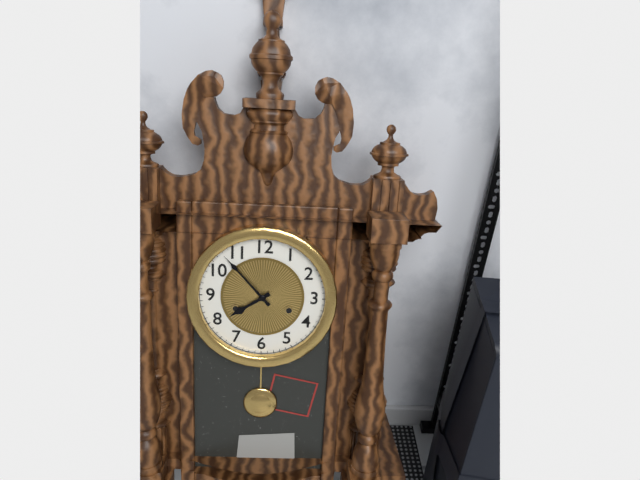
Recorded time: 7:53
